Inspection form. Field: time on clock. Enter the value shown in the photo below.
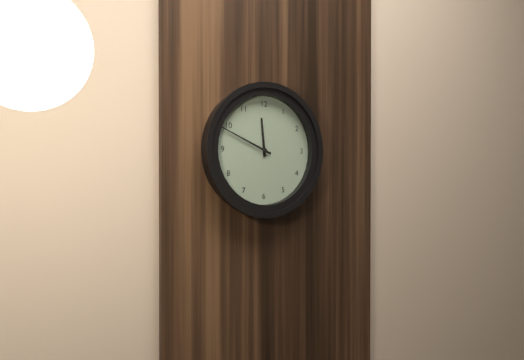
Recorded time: 11:49
